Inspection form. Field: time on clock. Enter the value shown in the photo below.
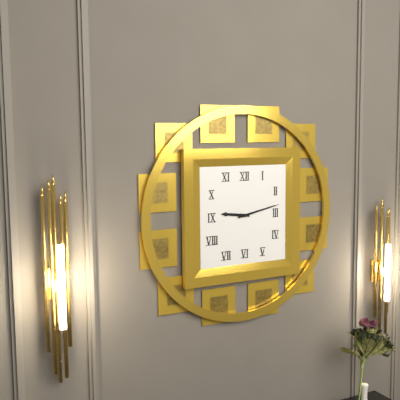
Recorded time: 9:13
